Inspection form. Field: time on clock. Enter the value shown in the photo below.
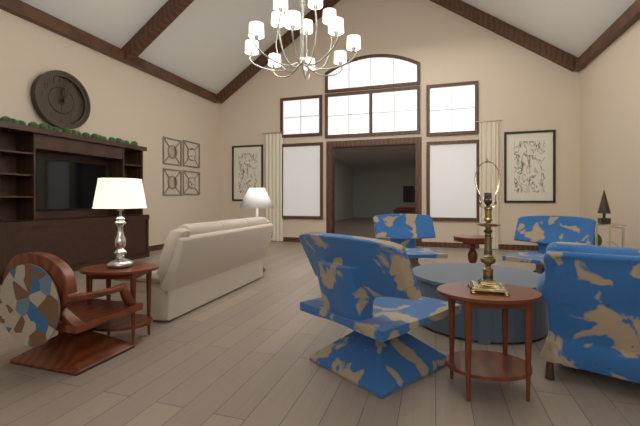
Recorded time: 12:03
